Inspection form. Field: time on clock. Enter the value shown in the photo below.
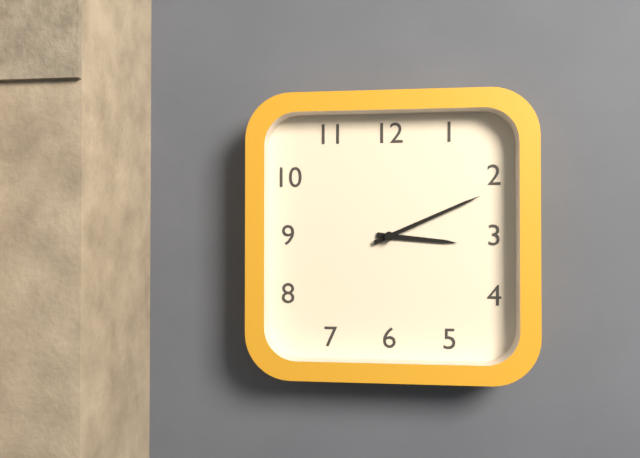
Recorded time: 3:11
